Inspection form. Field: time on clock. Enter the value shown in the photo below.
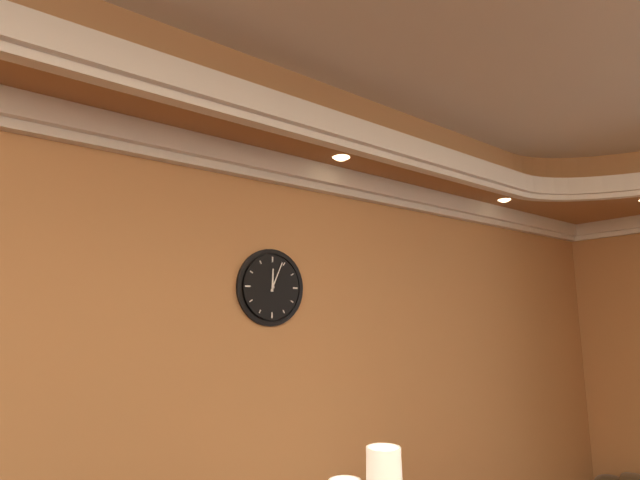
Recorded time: 12:04
